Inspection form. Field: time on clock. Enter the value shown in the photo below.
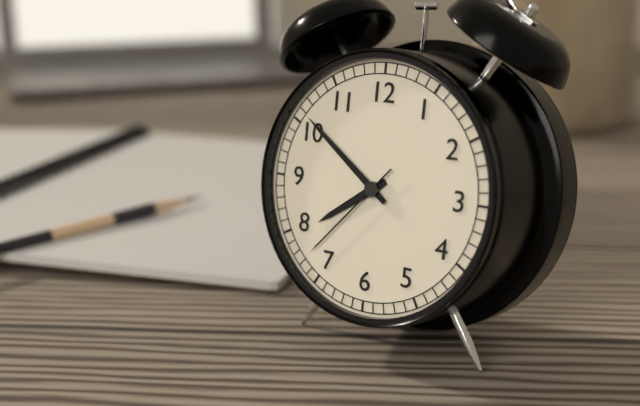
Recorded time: 7:51:37
